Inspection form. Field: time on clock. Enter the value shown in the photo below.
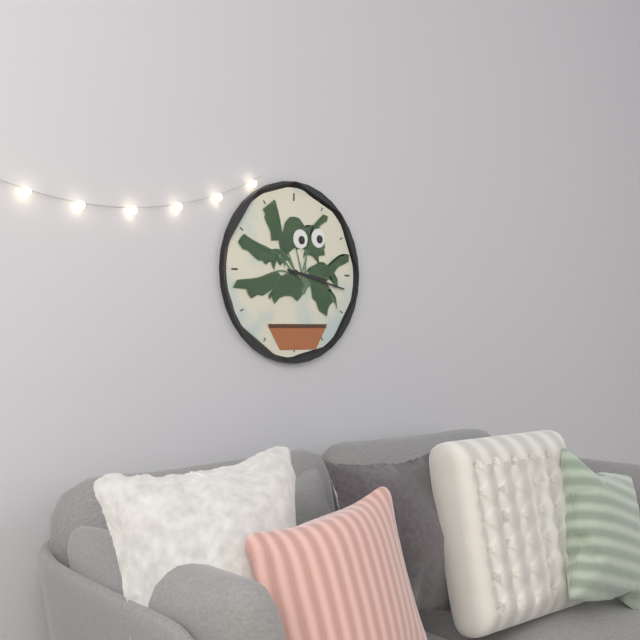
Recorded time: 3:17
